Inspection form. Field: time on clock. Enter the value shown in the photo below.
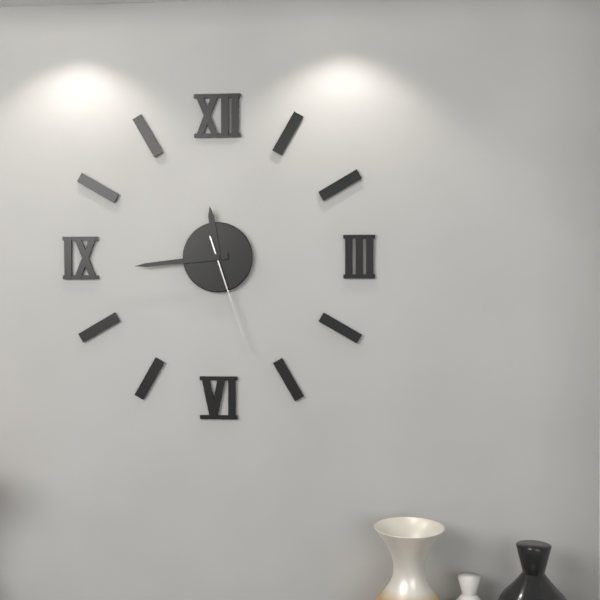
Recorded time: 11:44:27
